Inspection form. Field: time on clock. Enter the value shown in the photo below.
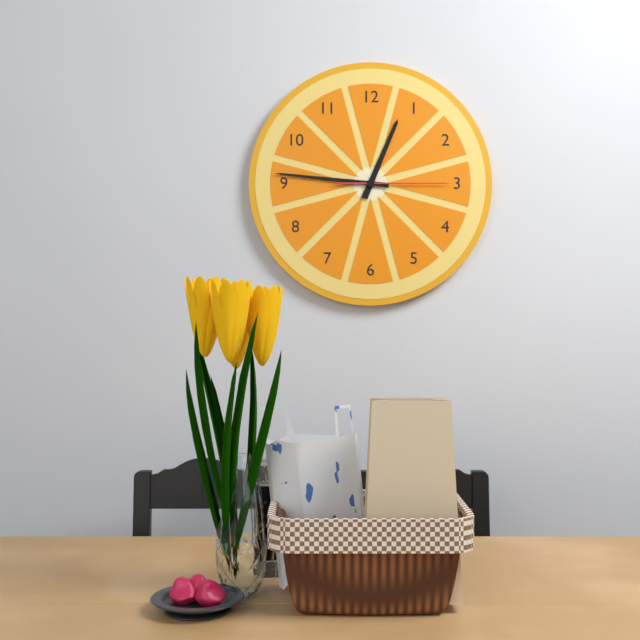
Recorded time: 12:46:15
